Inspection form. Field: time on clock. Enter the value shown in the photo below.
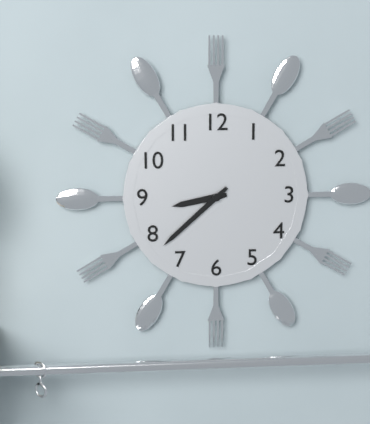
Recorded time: 8:38
